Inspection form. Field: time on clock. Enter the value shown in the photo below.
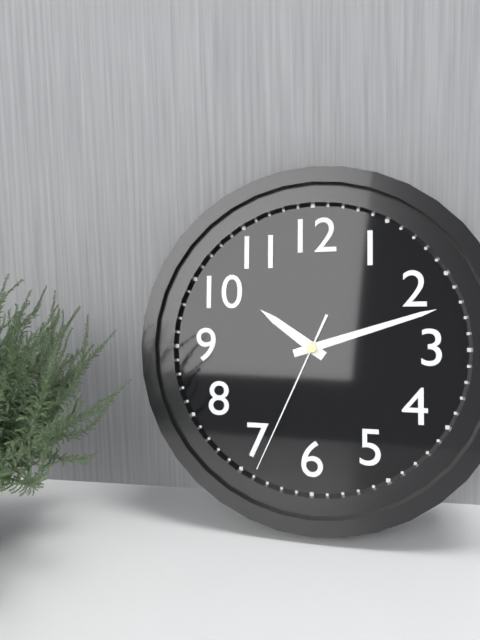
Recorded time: 10:12:34
